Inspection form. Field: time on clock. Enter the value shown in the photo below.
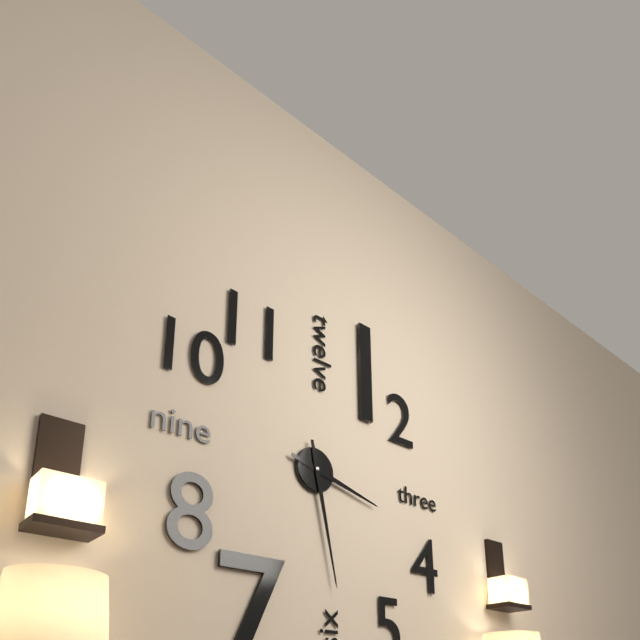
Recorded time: 3:28
